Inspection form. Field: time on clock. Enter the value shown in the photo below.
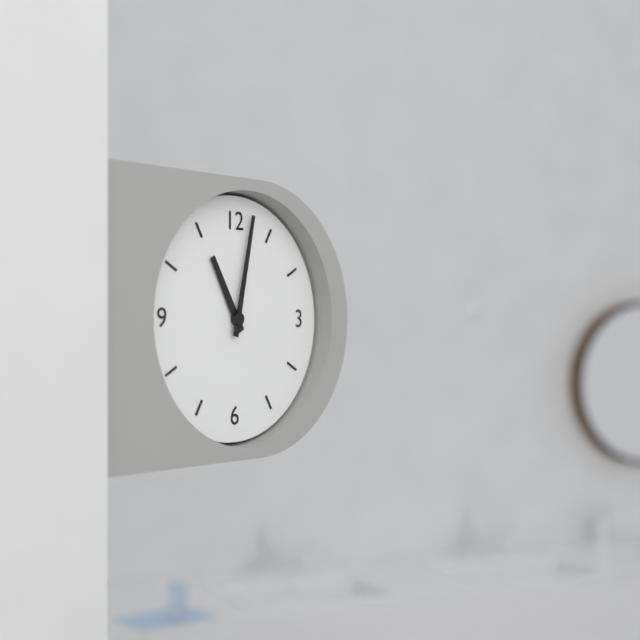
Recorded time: 11:02
